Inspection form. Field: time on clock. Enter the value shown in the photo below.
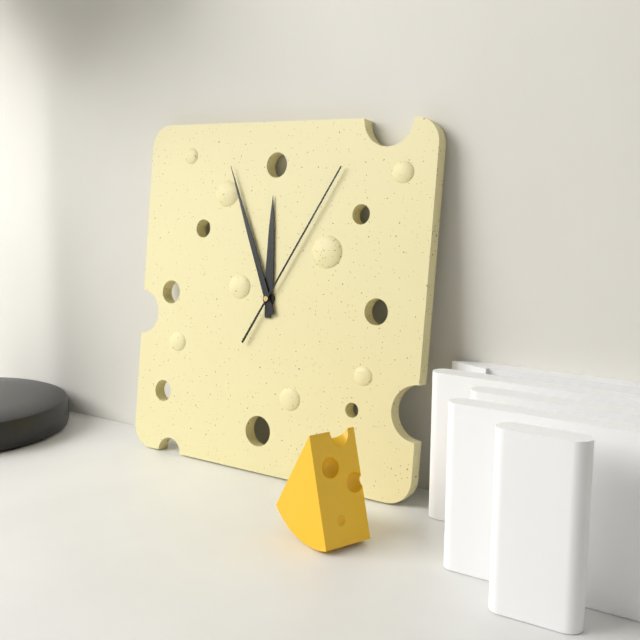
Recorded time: 11:56:05
